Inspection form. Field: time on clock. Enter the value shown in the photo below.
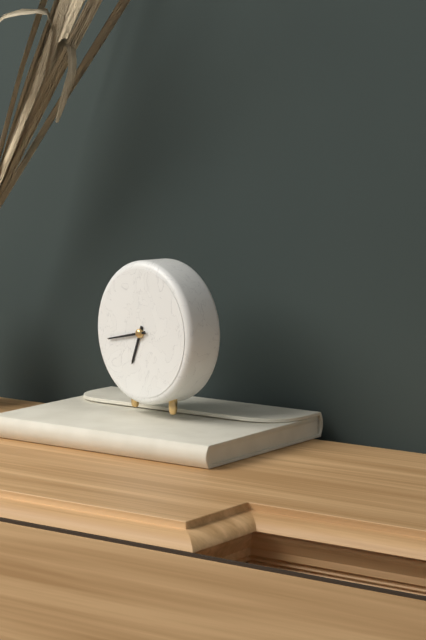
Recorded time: 6:43
